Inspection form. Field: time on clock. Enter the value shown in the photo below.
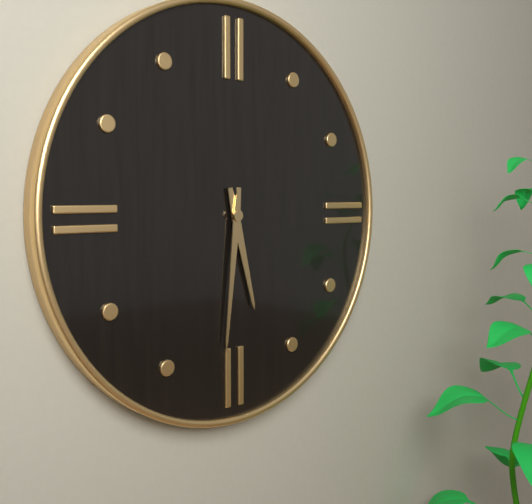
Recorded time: 5:31
